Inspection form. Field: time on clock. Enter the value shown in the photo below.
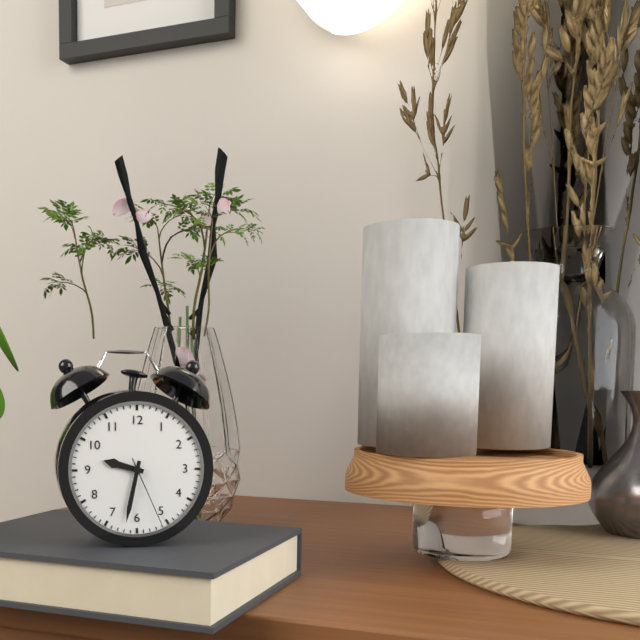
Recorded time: 9:32:26
